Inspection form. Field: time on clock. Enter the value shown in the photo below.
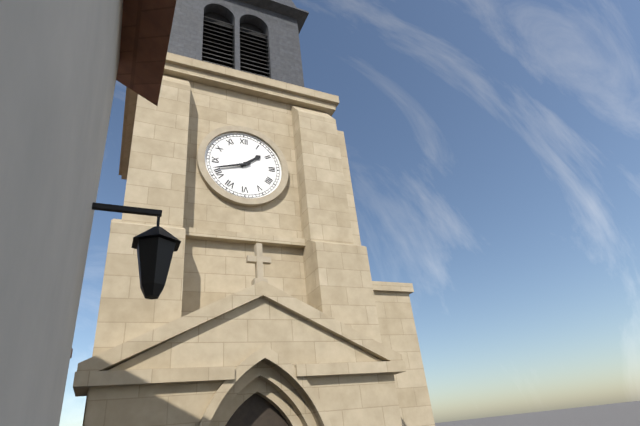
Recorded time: 1:42
